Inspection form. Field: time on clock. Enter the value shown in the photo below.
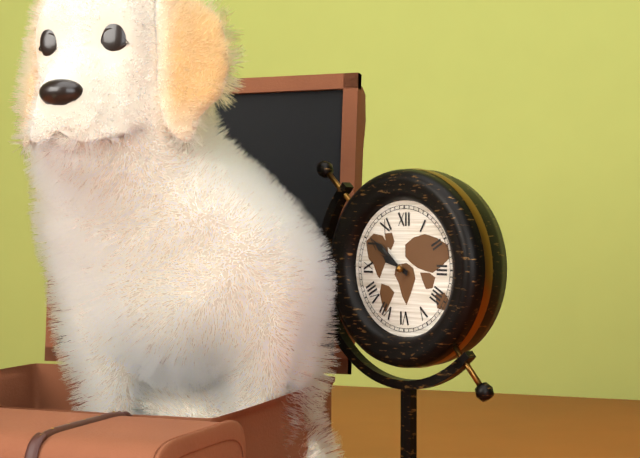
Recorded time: 9:51
